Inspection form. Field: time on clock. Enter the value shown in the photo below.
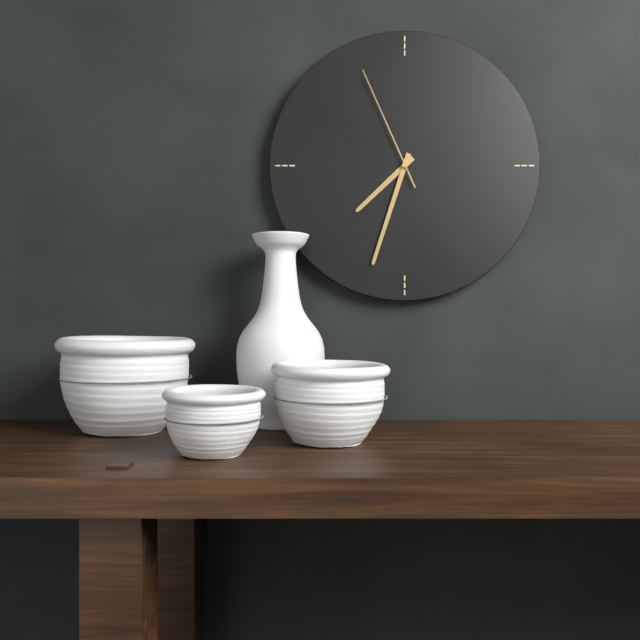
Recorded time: 7:33:56
